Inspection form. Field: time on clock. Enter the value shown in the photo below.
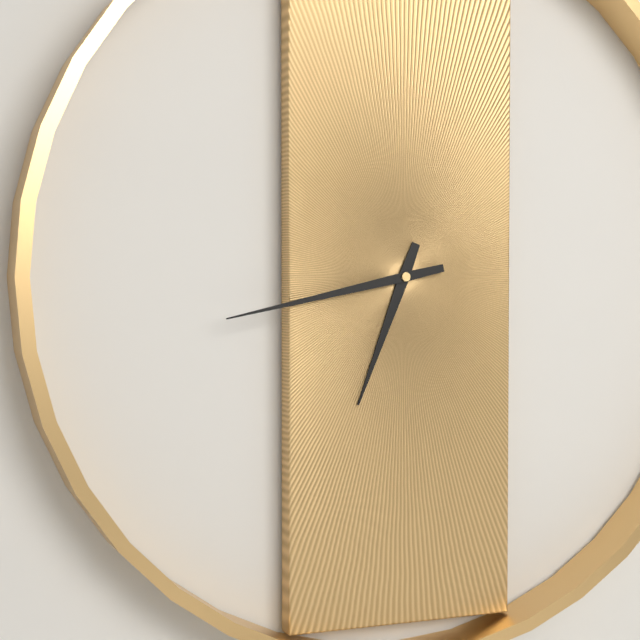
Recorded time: 6:43
